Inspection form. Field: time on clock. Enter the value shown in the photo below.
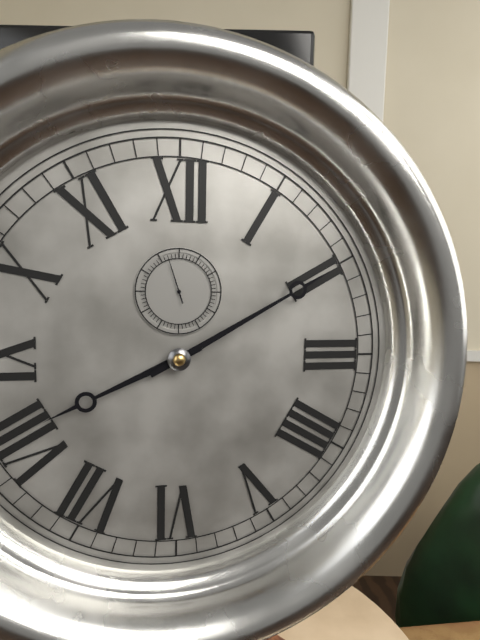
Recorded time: 8:10
